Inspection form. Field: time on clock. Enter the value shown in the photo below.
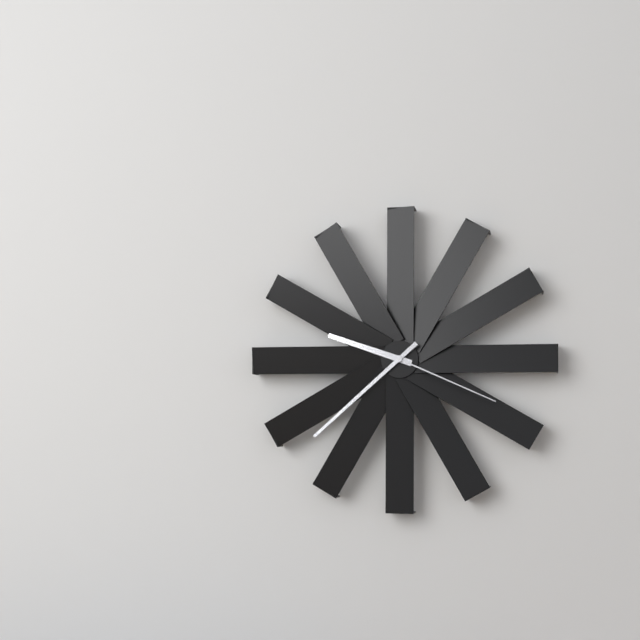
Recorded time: 9:38:19
